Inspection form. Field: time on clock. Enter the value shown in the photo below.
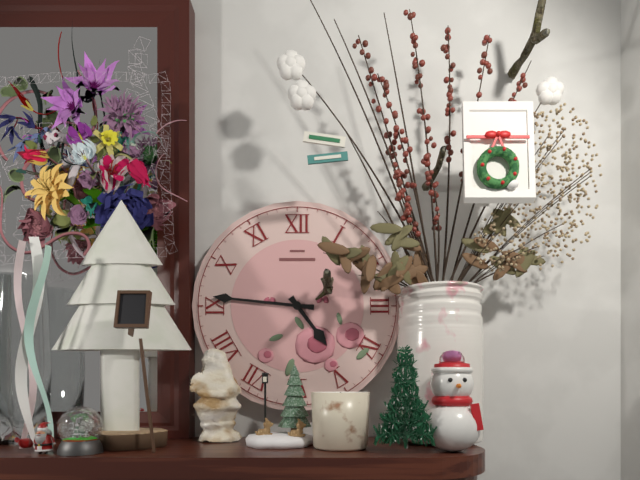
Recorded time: 4:46
